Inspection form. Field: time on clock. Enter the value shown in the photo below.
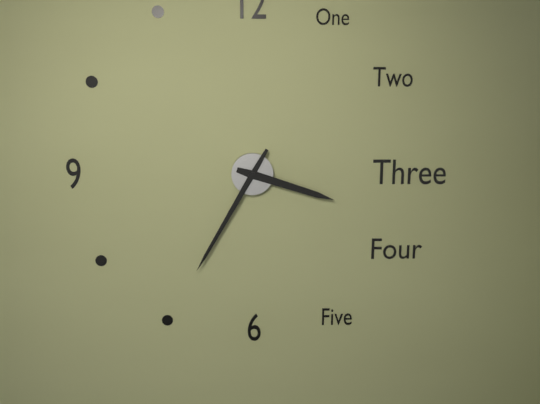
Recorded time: 3:35
